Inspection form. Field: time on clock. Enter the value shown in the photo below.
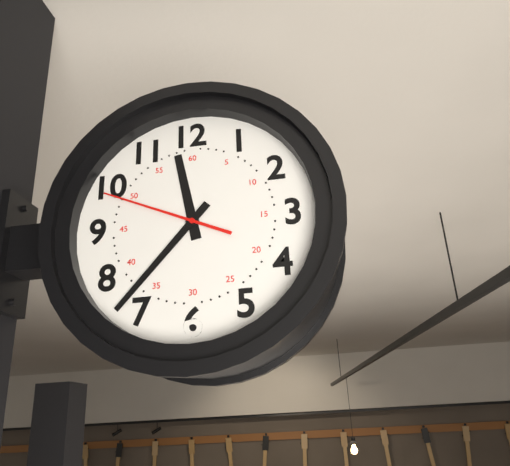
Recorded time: 11:37:49
